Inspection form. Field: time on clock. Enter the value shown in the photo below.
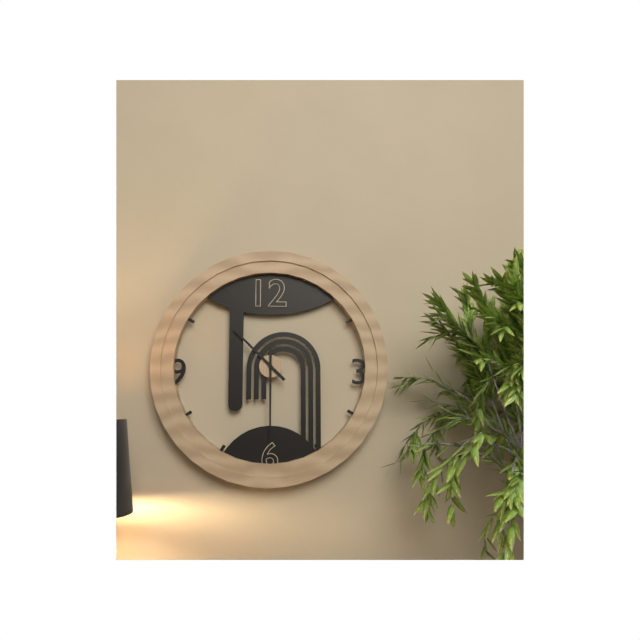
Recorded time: 10:30
